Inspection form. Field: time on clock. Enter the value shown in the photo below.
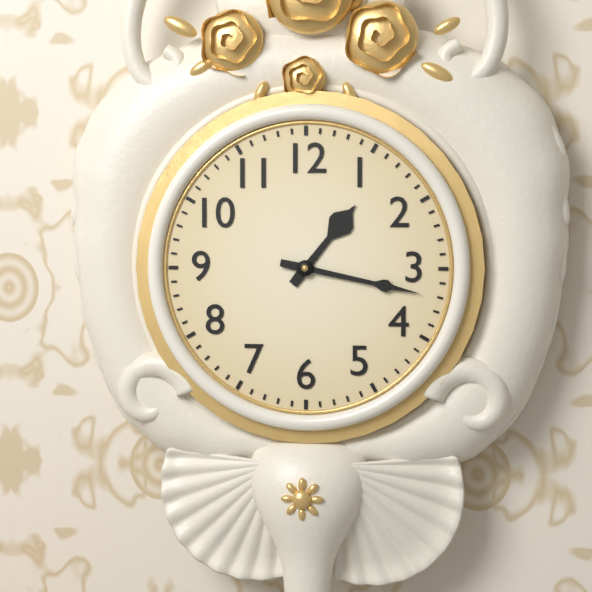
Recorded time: 1:17
